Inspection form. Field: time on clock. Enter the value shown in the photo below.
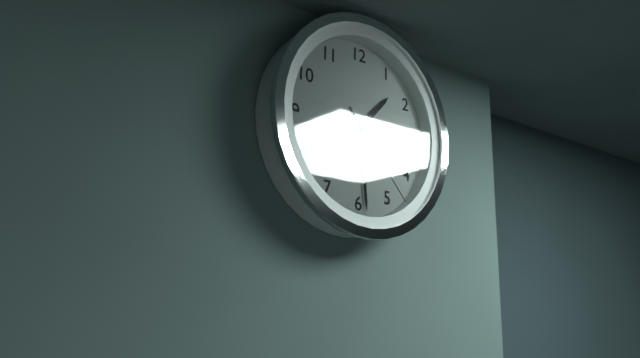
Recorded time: 1:29:23
